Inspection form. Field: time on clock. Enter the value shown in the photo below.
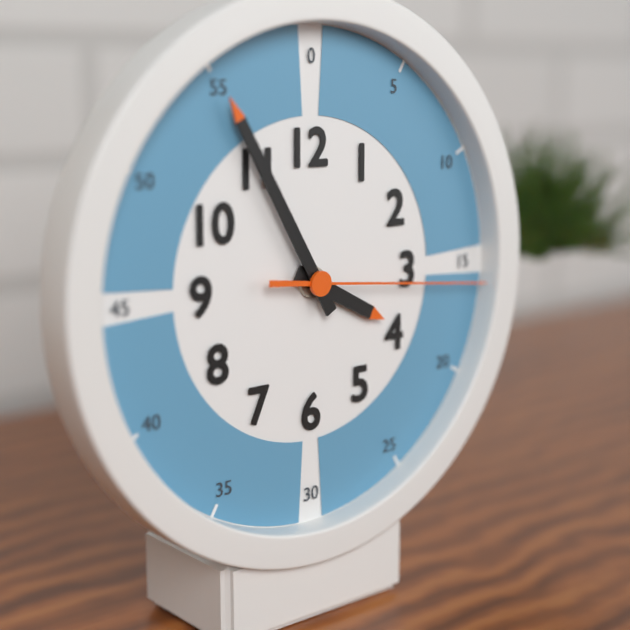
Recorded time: 3:55:16
